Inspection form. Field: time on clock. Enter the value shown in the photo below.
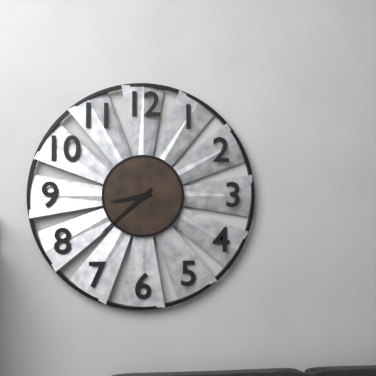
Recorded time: 8:38
